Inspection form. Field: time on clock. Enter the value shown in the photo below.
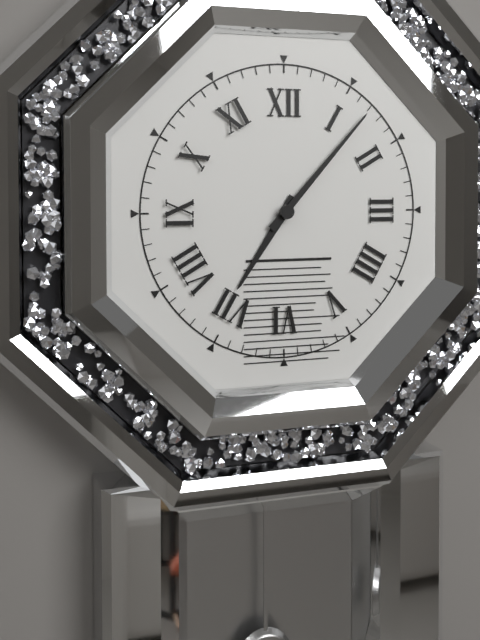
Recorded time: 7:07
